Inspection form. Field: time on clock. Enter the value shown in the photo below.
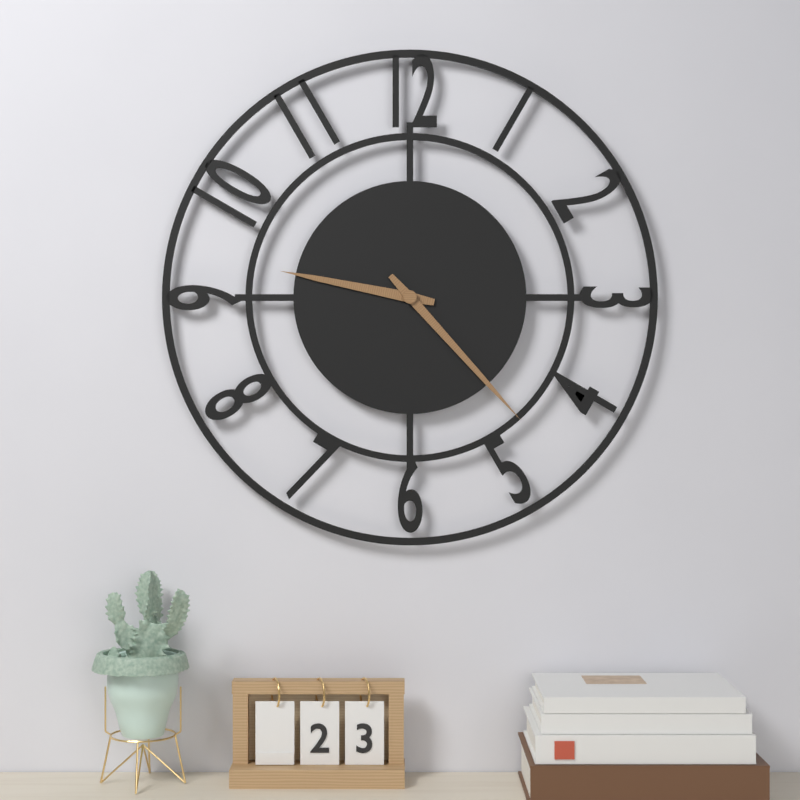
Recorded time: 9:23
